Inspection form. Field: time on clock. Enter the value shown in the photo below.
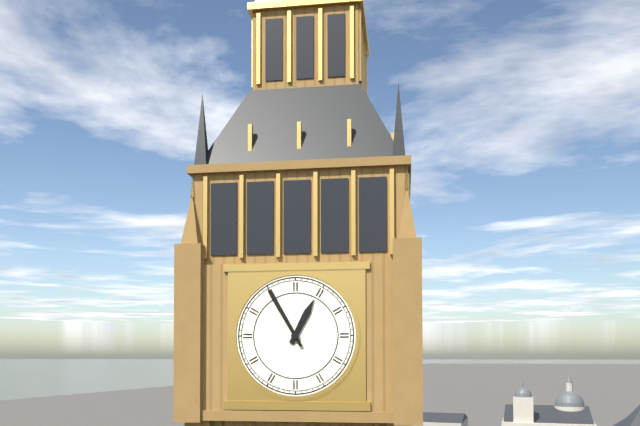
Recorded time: 12:55
